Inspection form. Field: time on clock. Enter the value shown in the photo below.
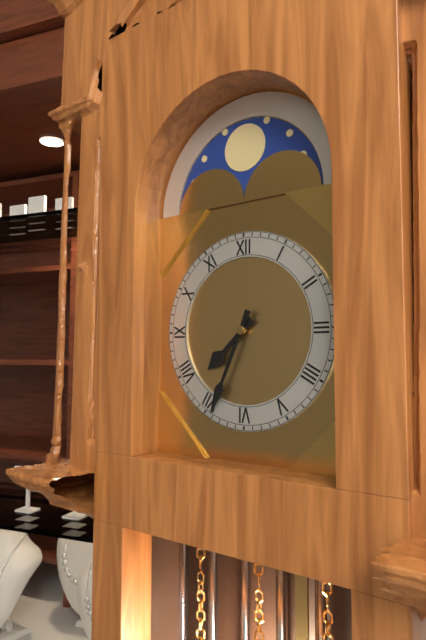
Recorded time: 7:34
